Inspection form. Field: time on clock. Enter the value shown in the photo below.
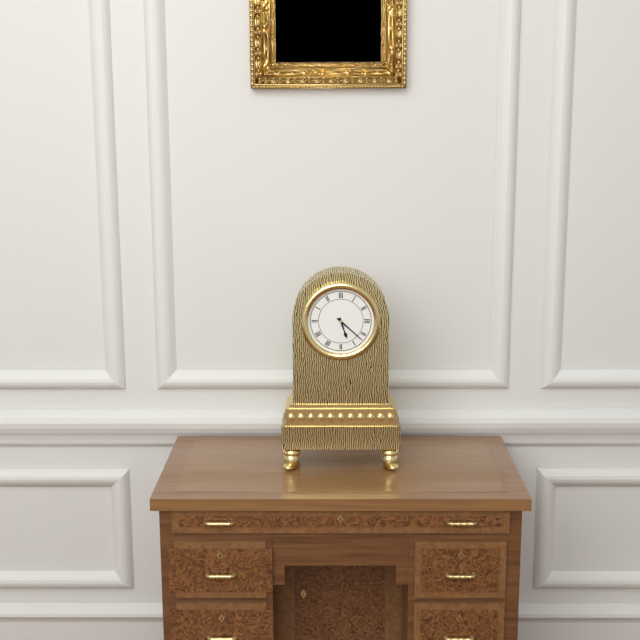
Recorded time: 5:22
